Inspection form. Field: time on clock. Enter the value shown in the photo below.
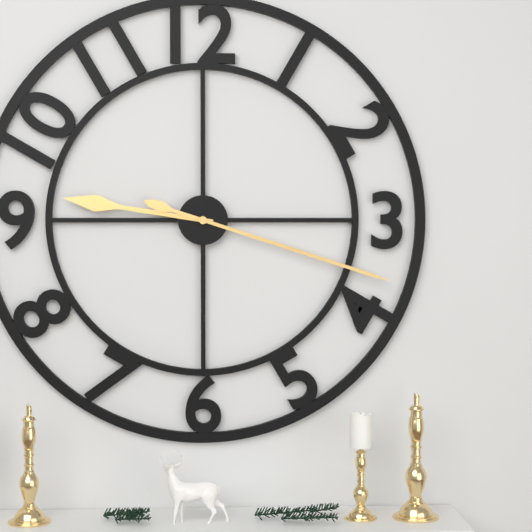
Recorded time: 9:18
